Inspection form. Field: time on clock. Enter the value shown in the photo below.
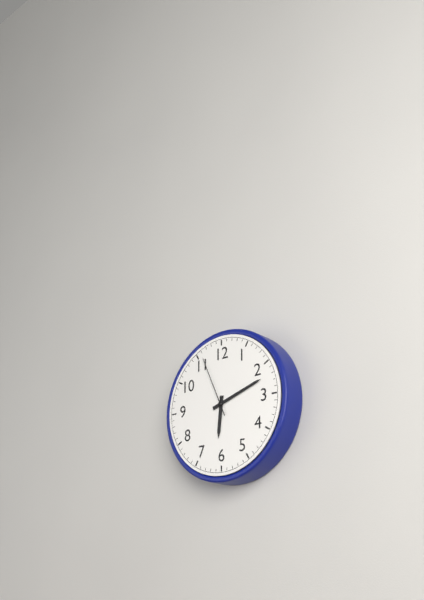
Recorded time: 6:12:56
